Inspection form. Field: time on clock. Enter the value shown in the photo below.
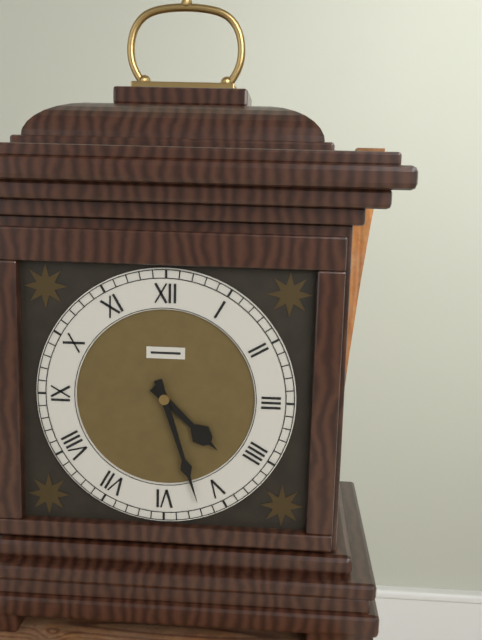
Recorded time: 4:27
